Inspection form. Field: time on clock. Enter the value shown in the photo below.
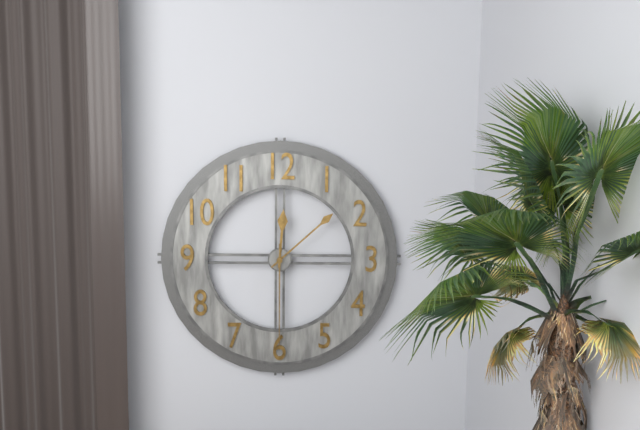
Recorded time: 12:08:30
